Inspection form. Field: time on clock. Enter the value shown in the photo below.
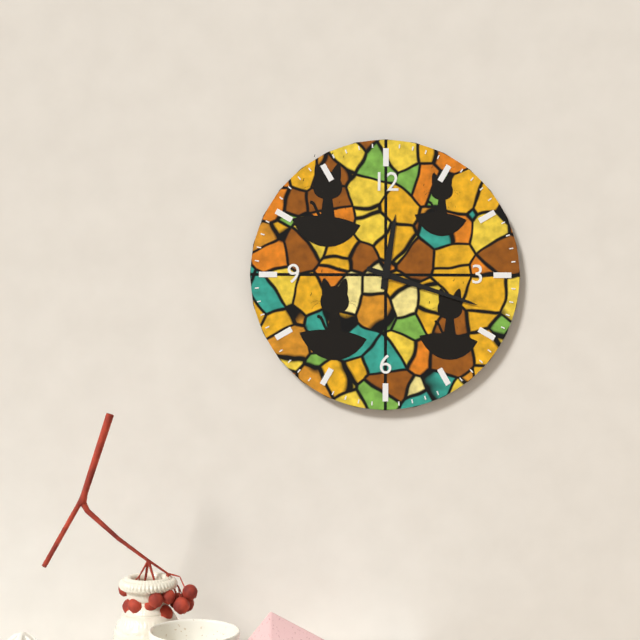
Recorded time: 12:18
